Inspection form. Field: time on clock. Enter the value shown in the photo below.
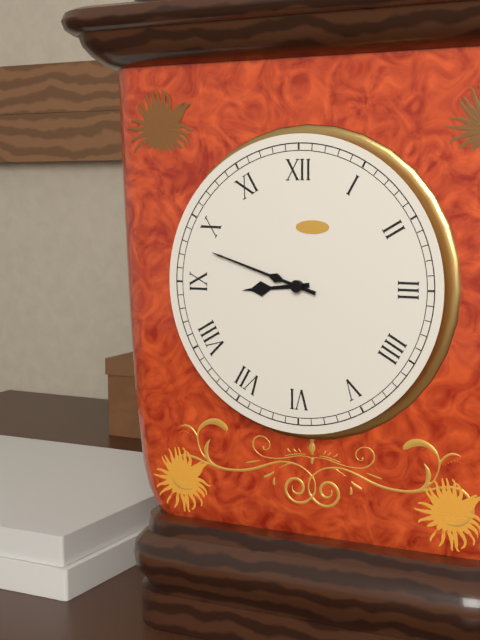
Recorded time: 8:48
